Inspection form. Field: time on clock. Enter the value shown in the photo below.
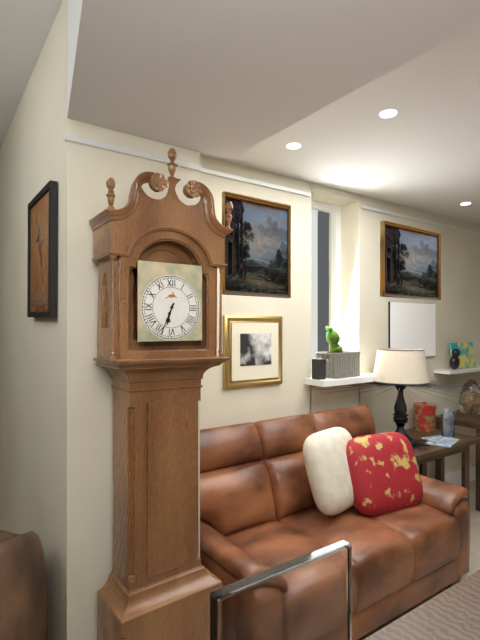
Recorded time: 6:34
